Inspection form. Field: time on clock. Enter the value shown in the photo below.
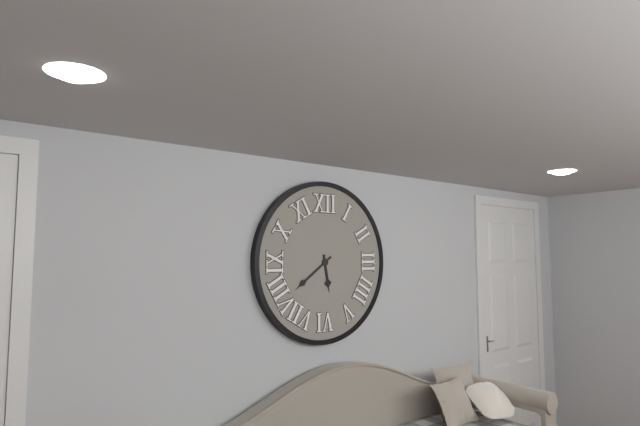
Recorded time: 5:39
